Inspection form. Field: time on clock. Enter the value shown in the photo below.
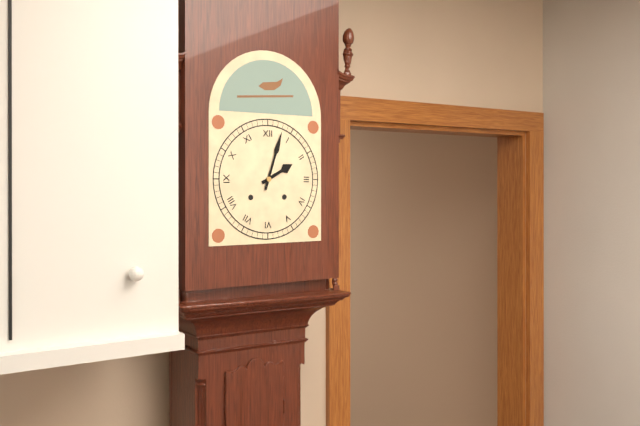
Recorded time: 2:03
